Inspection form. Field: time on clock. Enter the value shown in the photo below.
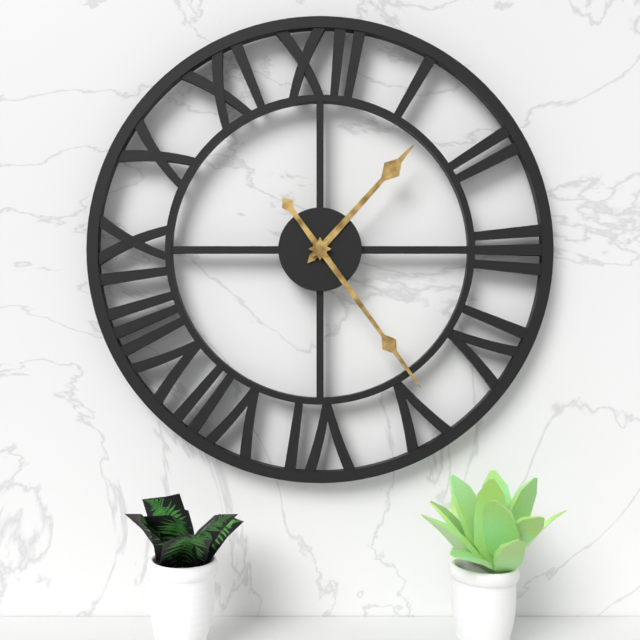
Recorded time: 1:24
